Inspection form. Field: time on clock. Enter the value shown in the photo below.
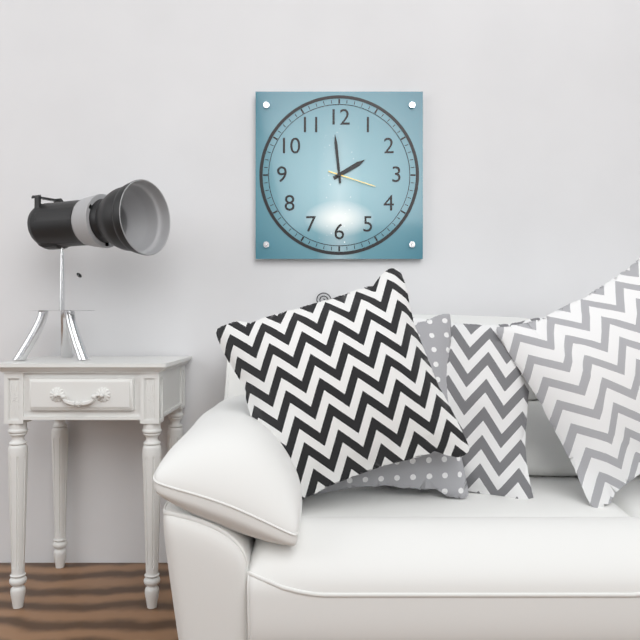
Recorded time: 1:59
